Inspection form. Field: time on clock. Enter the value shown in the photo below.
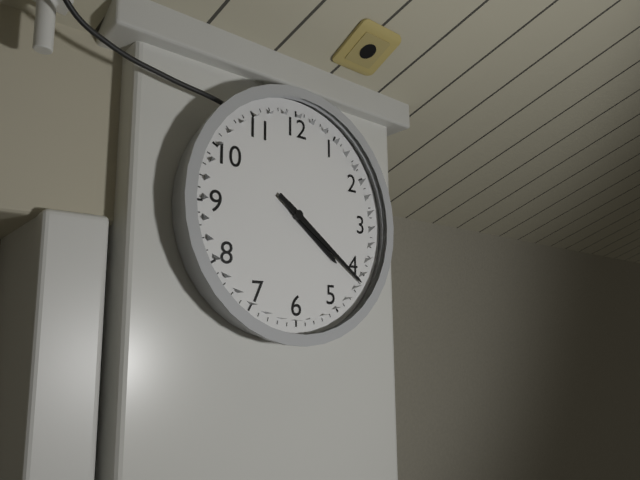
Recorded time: 4:21
